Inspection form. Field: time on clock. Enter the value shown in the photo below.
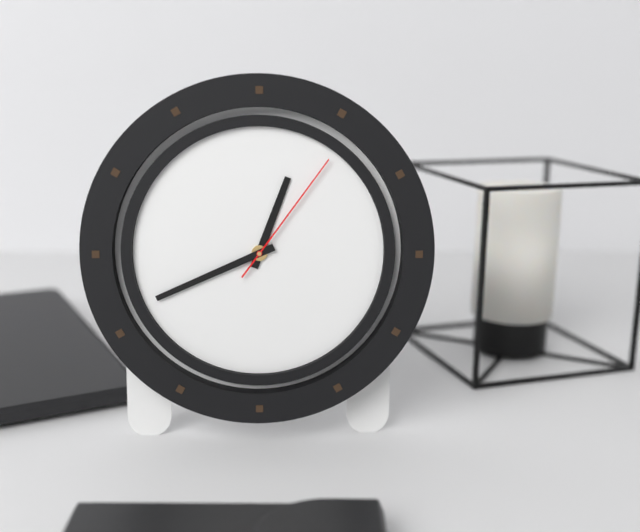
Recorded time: 12:41:06
